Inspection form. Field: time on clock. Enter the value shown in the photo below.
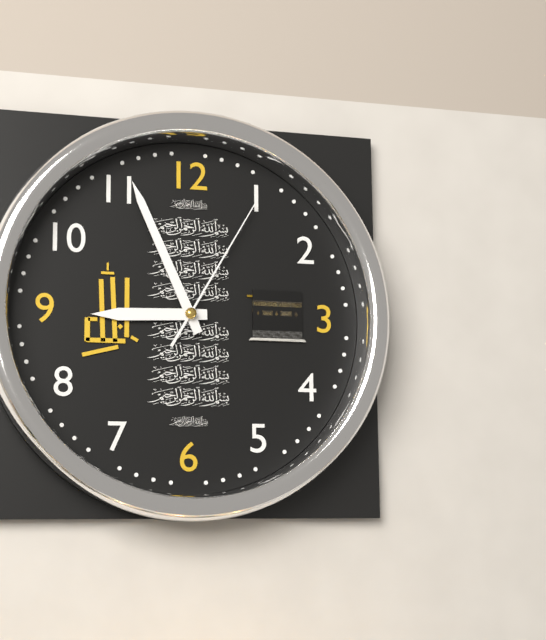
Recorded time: 8:56:05
